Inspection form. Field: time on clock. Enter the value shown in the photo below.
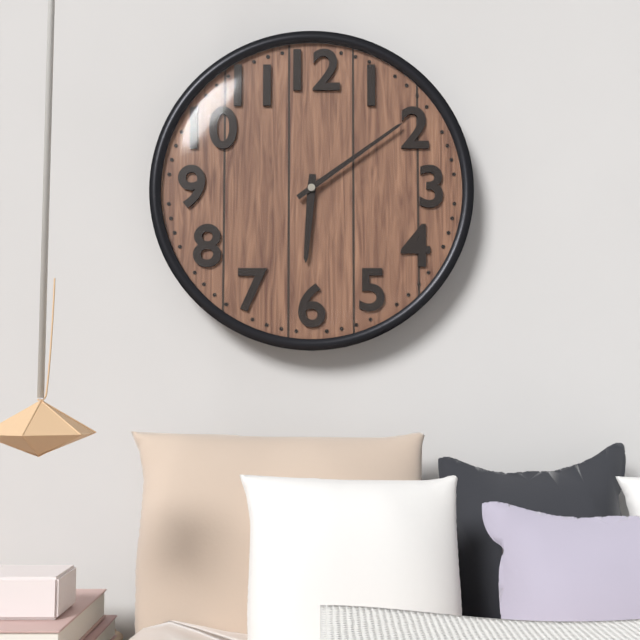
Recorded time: 6:09
